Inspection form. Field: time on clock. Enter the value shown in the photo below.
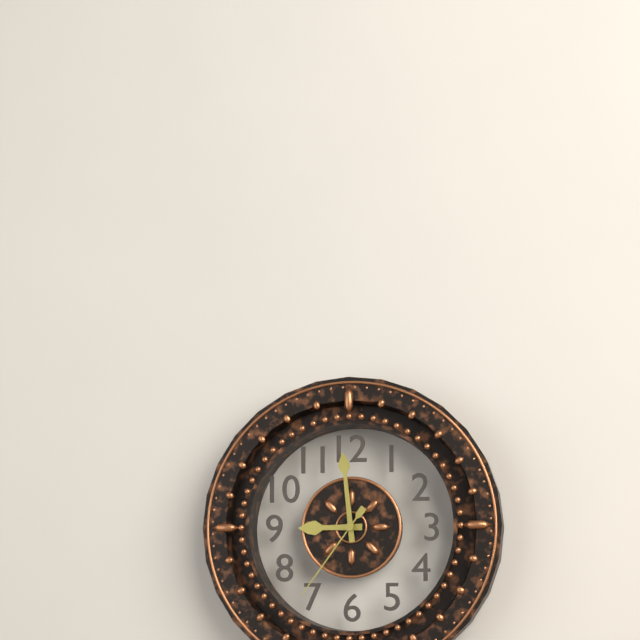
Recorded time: 8:59:36
